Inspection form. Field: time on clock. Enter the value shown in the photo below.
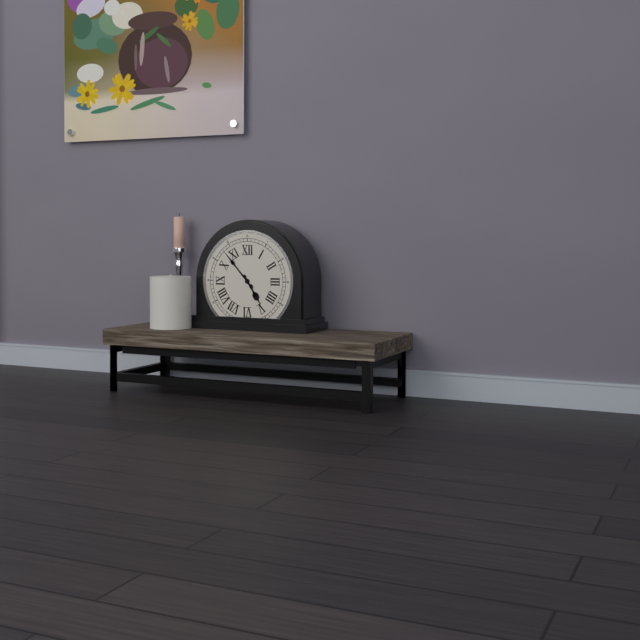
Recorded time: 4:53
